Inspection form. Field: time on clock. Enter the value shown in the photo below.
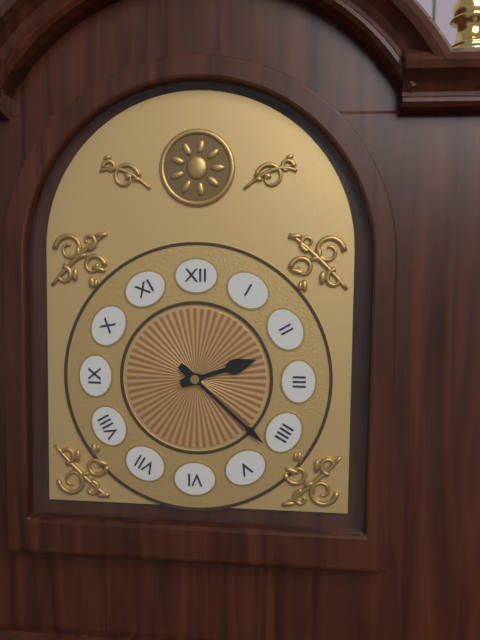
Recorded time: 2:22
